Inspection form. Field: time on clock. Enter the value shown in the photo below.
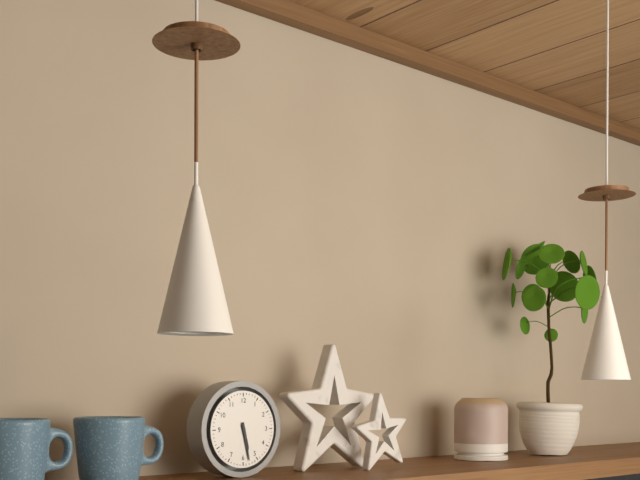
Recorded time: 5:28
